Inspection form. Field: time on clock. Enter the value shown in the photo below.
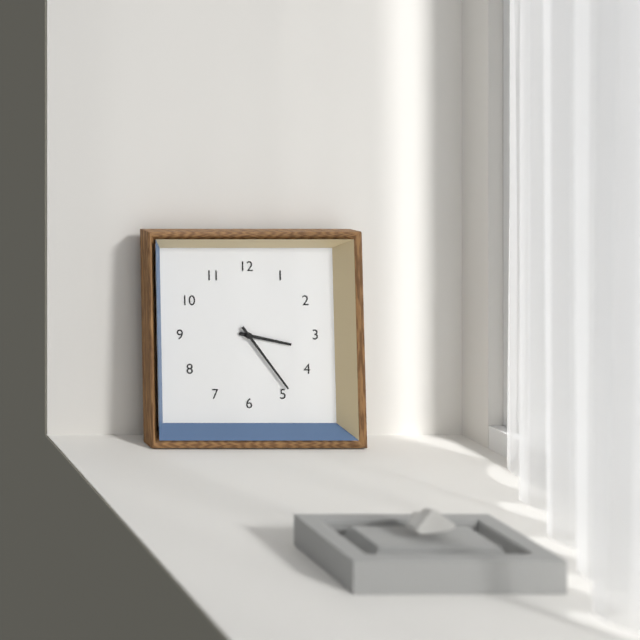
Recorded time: 3:24
